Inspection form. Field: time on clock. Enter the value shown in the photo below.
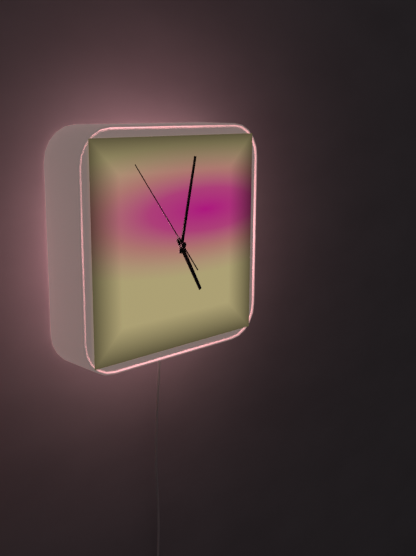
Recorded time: 5:02:54
